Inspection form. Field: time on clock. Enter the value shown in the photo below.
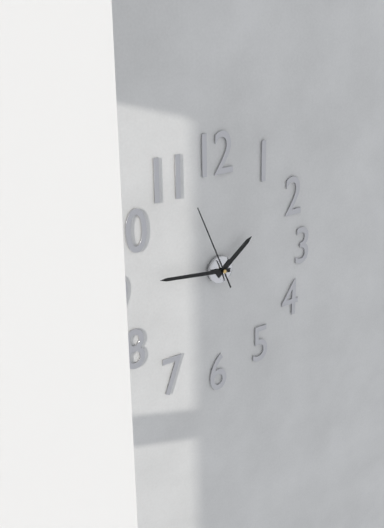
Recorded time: 1:46:56
